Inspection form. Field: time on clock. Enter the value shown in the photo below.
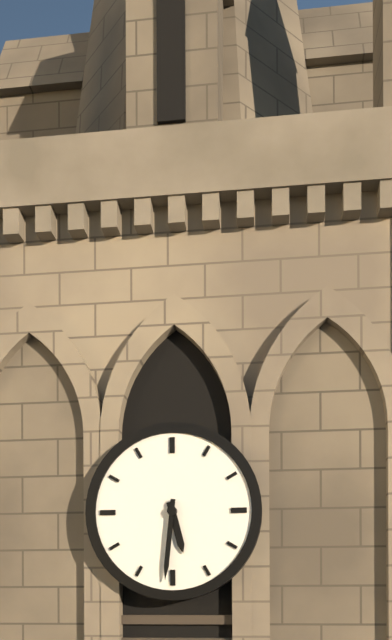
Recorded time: 5:31
